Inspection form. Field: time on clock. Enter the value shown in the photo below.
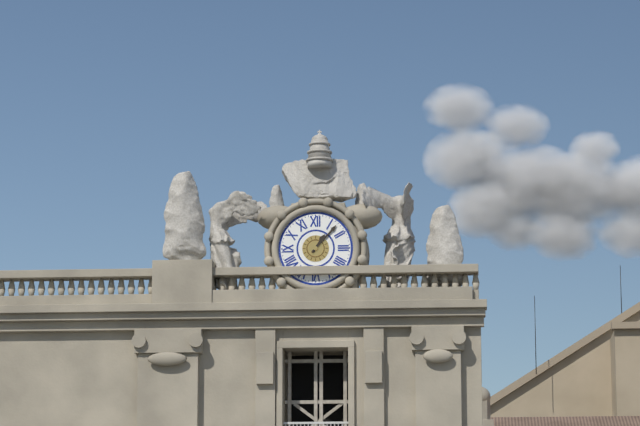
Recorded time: 1:07
